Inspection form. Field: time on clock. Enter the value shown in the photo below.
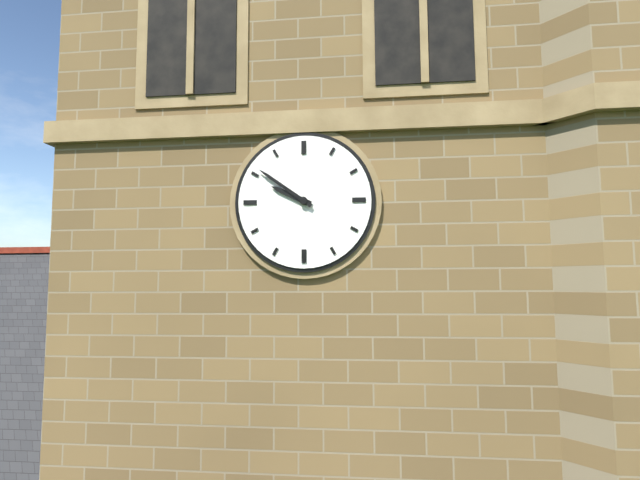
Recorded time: 9:51
